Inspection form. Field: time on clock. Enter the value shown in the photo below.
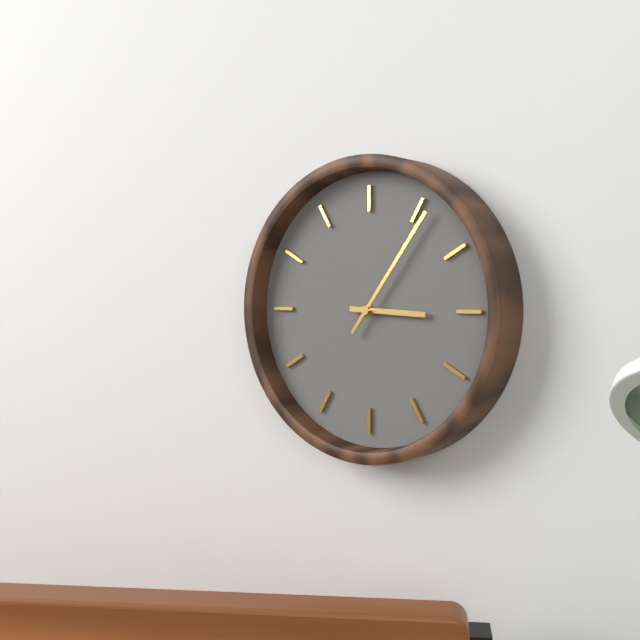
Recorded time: 3:06
